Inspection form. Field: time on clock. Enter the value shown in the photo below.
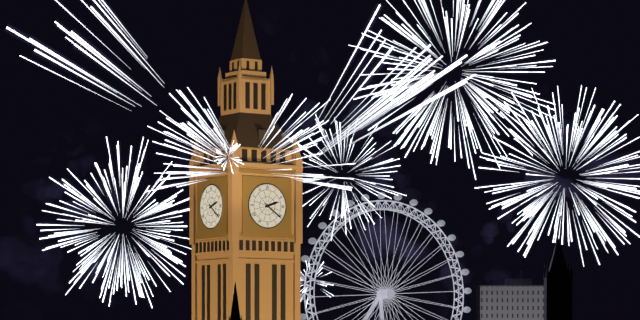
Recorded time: 2:21
